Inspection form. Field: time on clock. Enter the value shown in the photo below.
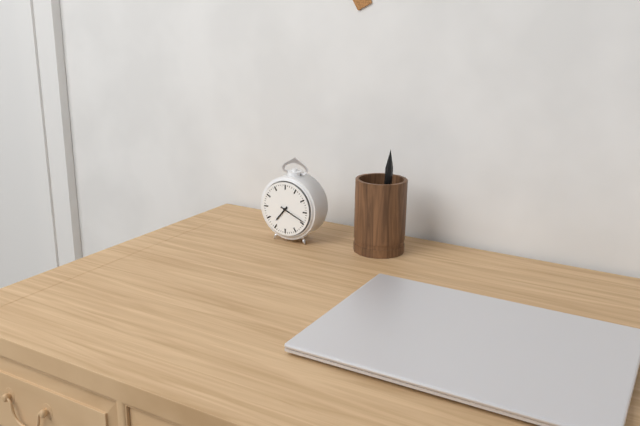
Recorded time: 7:19
